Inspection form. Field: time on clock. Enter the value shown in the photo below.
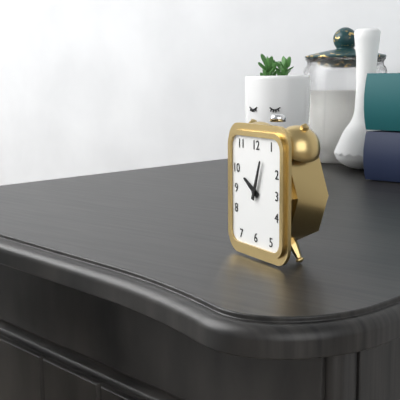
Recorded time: 10:03
